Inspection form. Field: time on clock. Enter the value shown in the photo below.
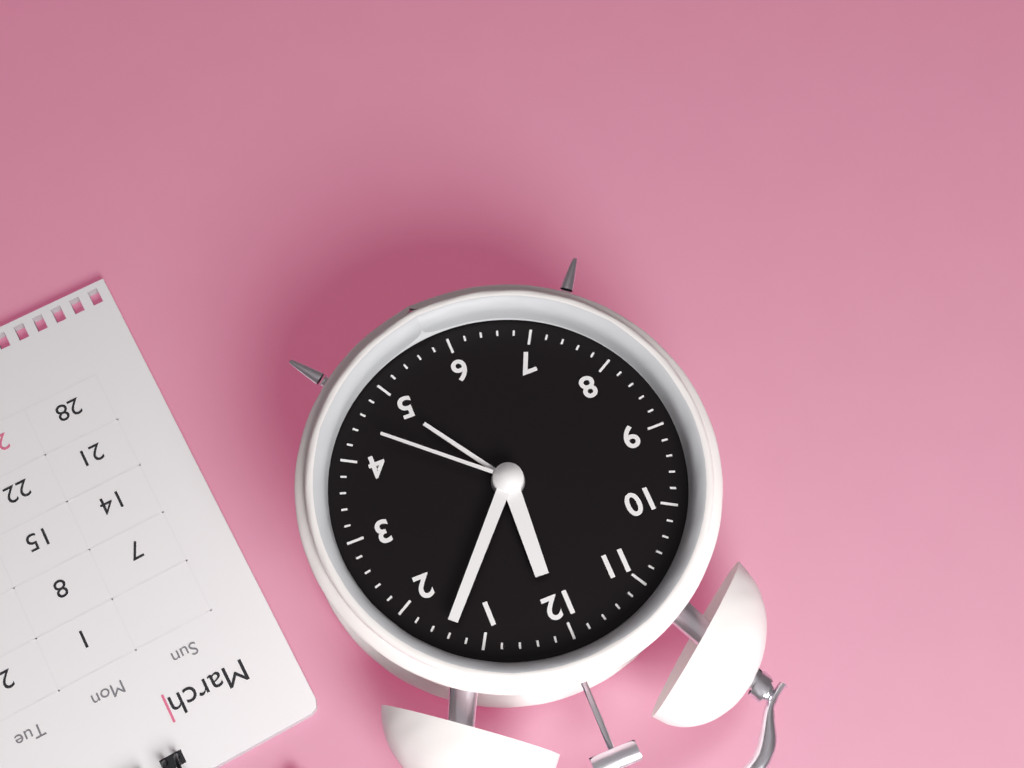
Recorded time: 12:07:22
